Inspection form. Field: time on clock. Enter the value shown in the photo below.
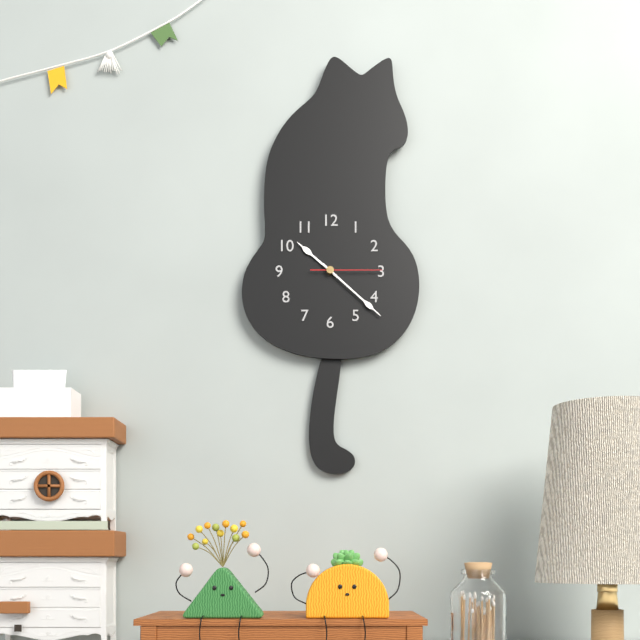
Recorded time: 10:22:15
